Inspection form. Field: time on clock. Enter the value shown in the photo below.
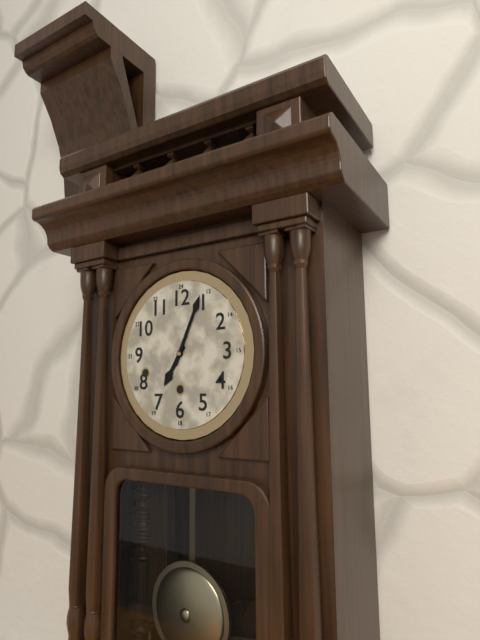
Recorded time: 7:04
